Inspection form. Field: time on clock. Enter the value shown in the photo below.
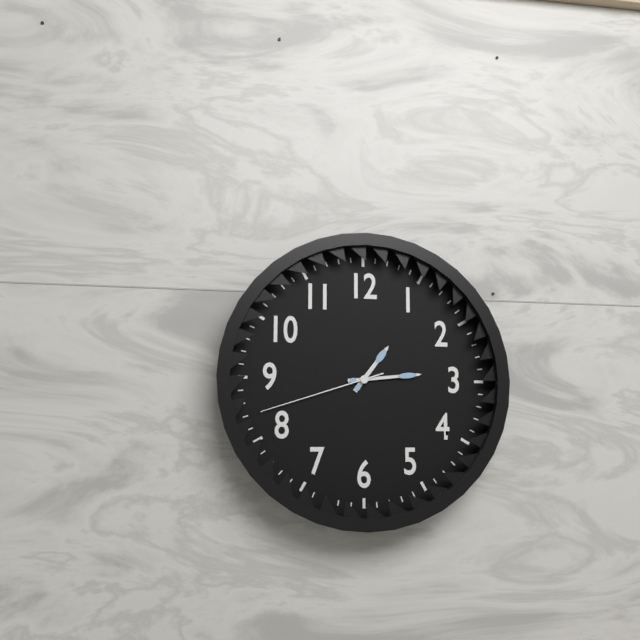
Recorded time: 1:14:42
